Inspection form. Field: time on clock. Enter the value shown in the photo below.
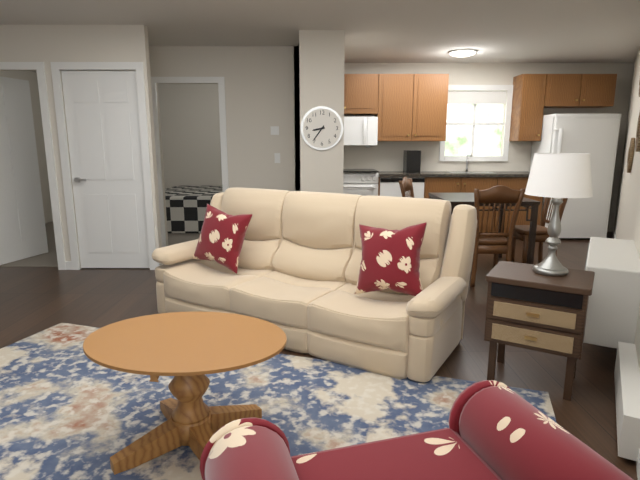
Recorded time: 8:36
